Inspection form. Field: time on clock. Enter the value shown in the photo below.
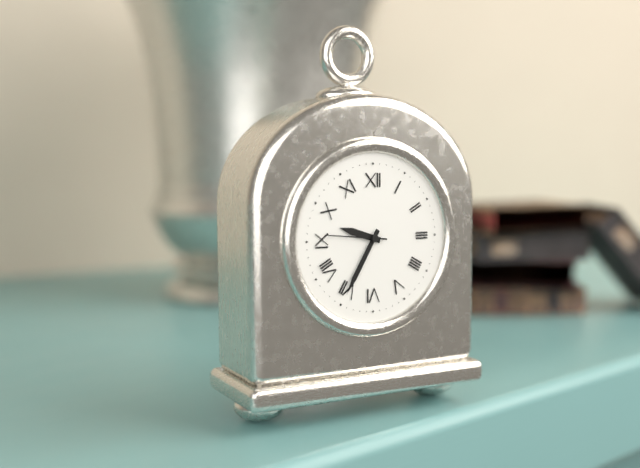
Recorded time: 9:35:46
